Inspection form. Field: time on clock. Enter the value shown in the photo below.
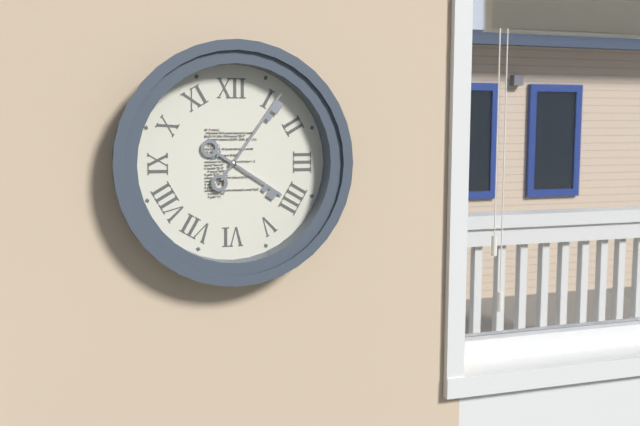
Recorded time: 4:06
